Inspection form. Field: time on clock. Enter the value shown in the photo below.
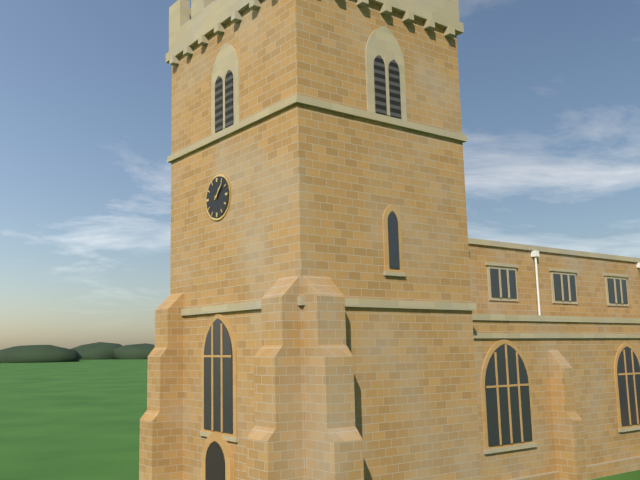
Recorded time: 1:07
